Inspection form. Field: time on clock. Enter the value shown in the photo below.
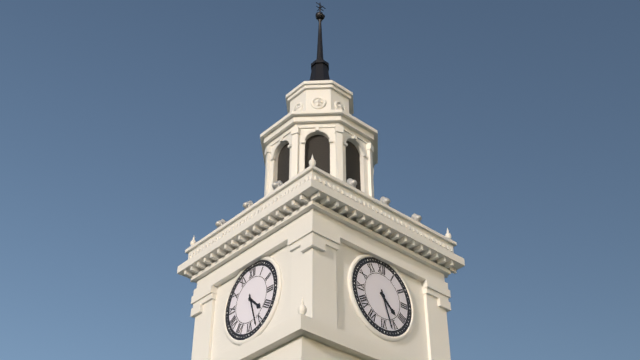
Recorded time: 4:27
